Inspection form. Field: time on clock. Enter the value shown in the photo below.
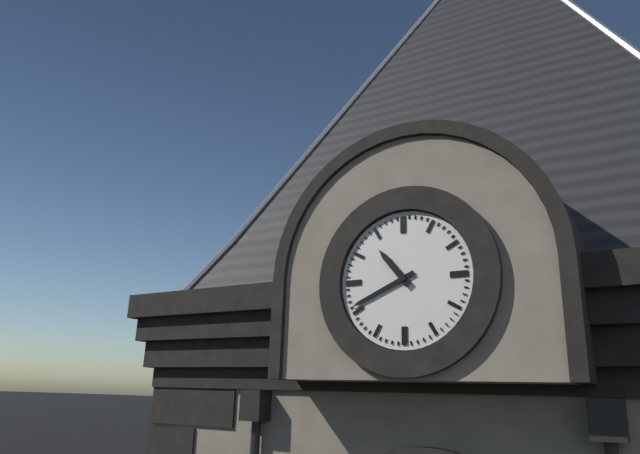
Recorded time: 10:41
